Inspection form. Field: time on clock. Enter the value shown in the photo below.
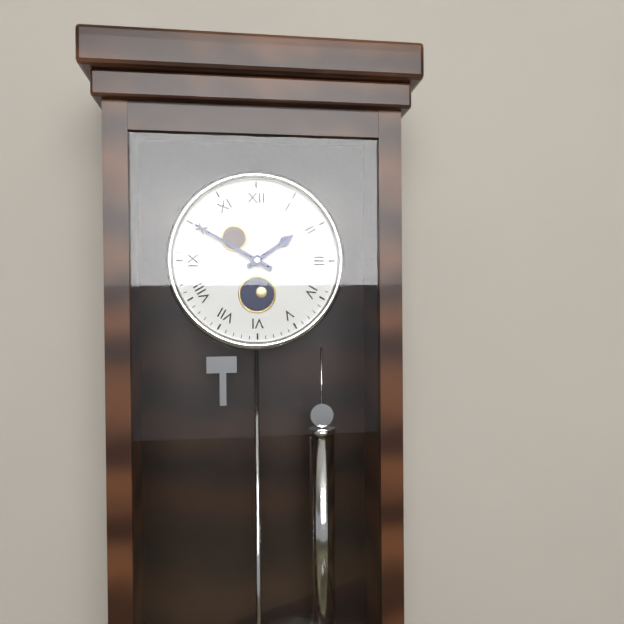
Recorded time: 1:50
